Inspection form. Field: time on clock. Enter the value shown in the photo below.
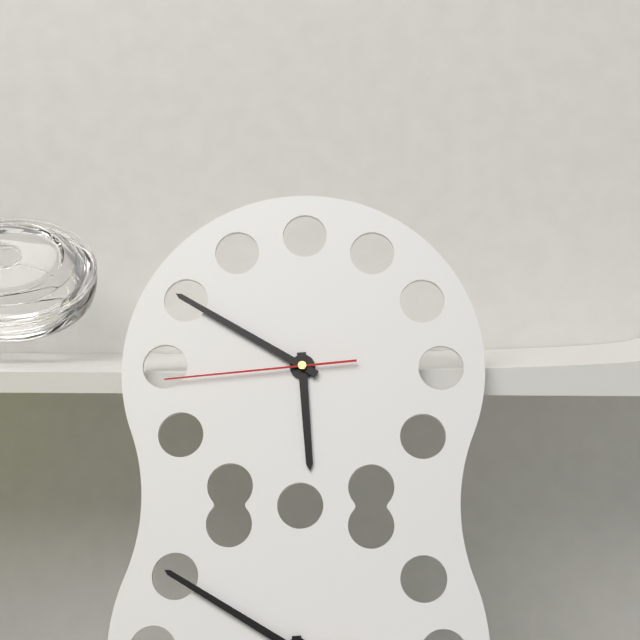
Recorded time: 5:50:44
